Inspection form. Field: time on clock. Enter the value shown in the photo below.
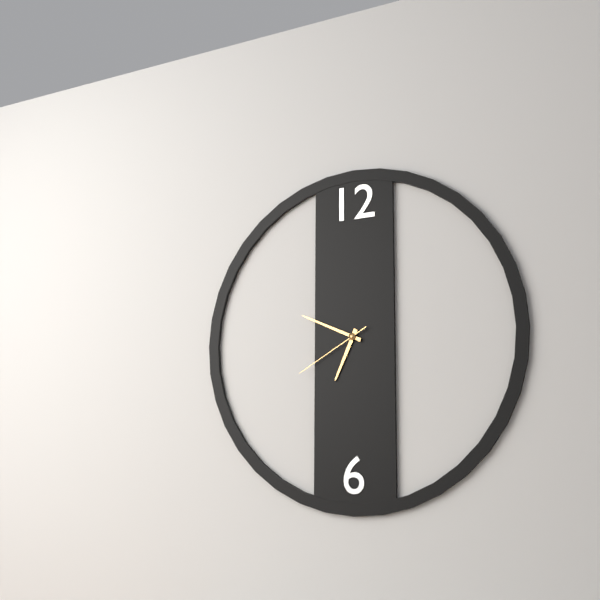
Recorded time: 6:49:40
